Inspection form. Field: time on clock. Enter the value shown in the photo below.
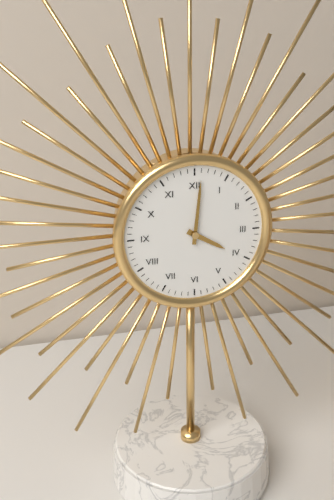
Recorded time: 4:01
